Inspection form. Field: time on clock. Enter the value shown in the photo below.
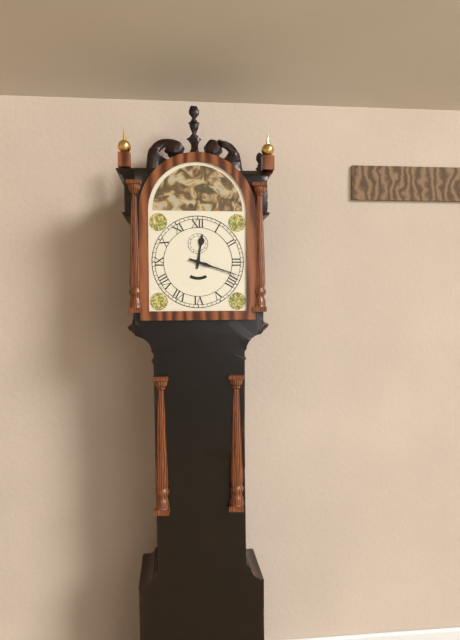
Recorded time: 12:18
